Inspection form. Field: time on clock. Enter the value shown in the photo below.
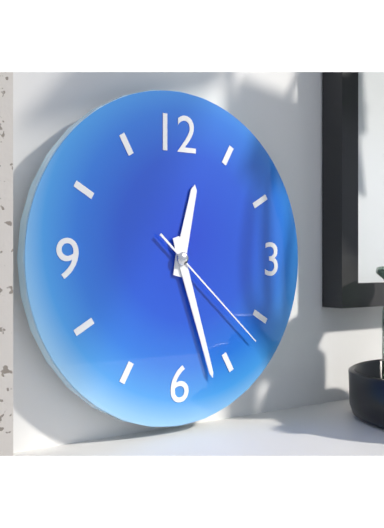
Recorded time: 12:27:22
